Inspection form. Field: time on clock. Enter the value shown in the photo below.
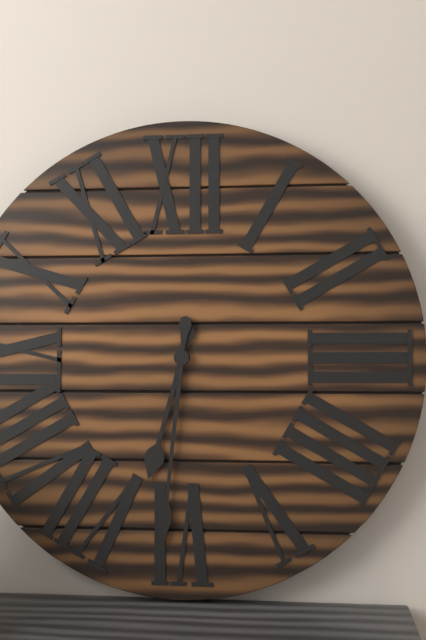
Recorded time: 6:31
